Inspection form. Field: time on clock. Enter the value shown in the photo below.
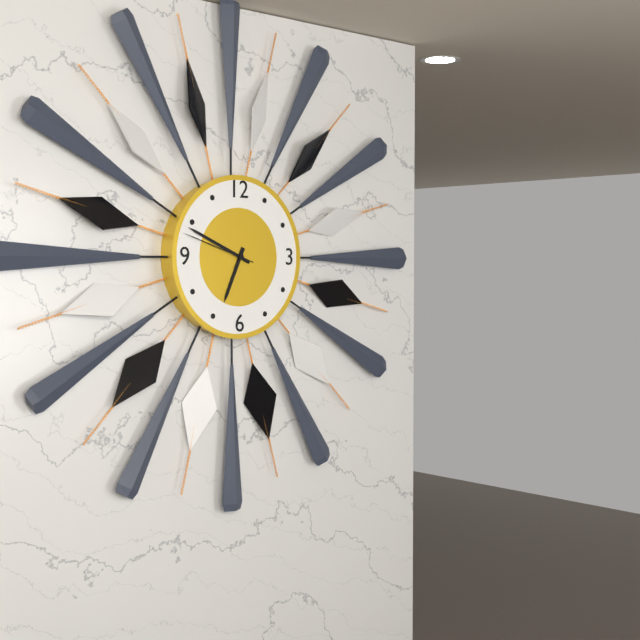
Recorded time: 6:49:48
